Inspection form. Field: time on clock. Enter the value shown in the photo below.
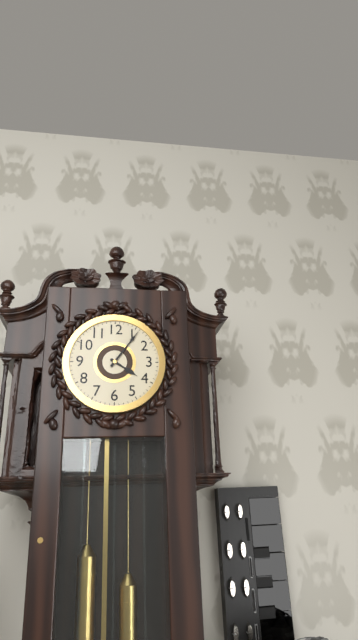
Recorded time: 4:06
